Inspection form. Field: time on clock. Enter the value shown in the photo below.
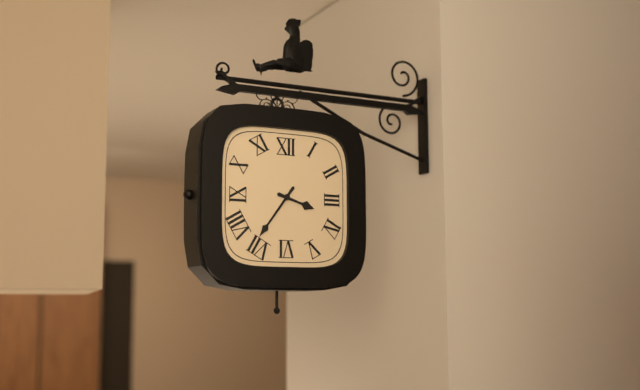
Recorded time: 3:36
